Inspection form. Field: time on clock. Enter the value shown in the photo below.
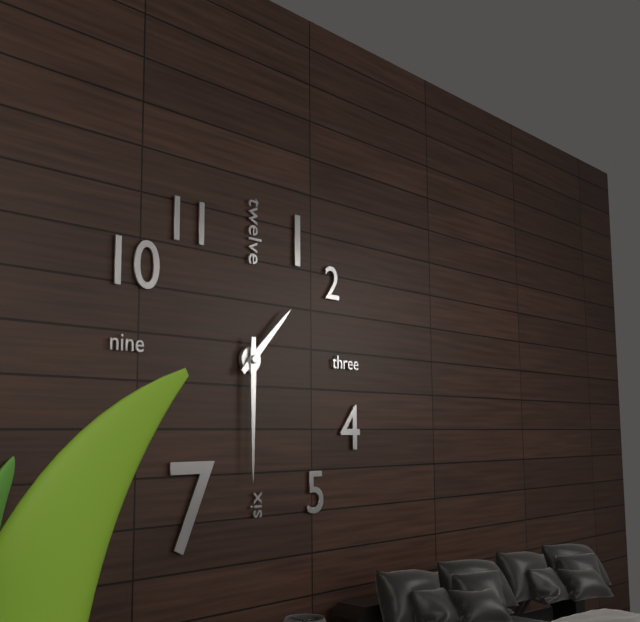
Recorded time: 1:30
